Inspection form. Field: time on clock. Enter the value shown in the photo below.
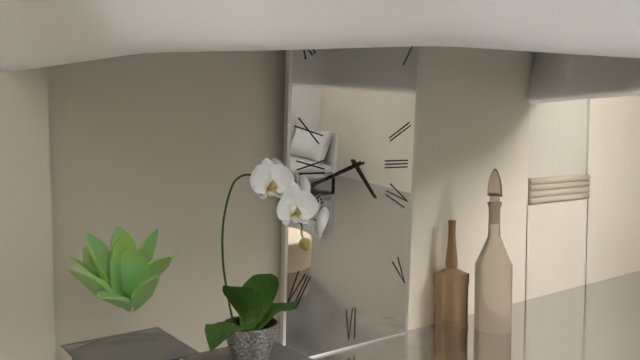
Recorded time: 4:42
